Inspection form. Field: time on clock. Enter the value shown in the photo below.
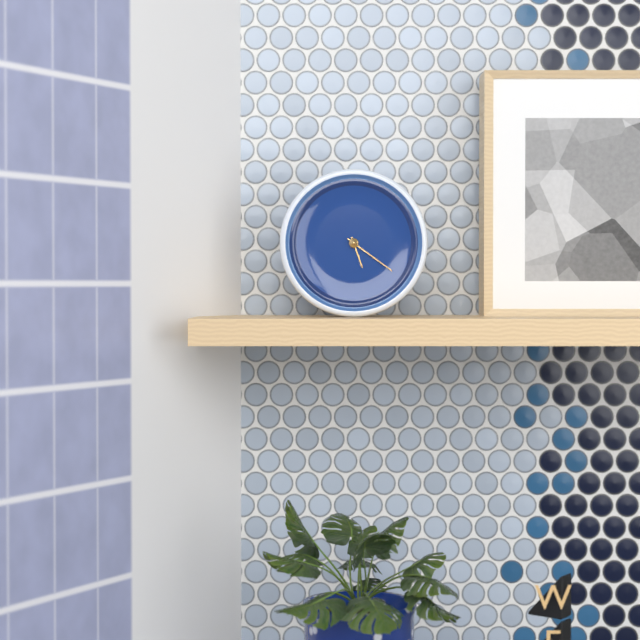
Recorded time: 5:21
